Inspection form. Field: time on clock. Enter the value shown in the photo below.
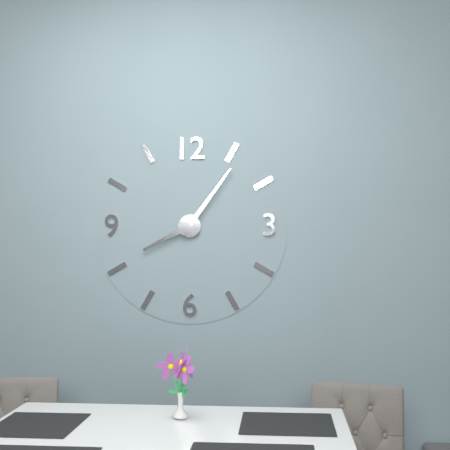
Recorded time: 8:06
